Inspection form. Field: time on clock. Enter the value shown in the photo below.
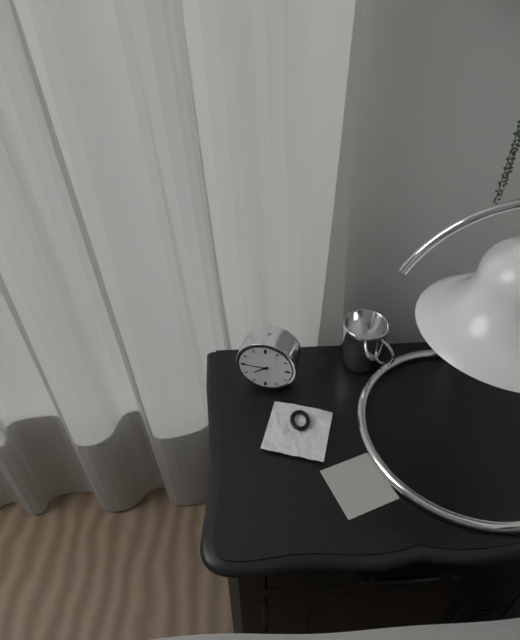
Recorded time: 7:45
